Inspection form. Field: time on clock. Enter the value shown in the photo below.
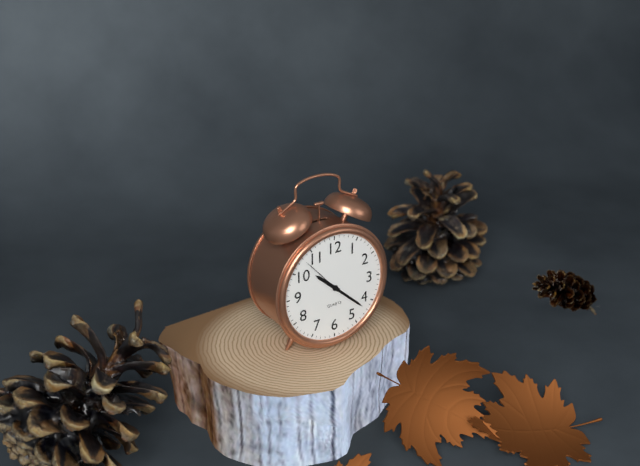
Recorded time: 10:22
